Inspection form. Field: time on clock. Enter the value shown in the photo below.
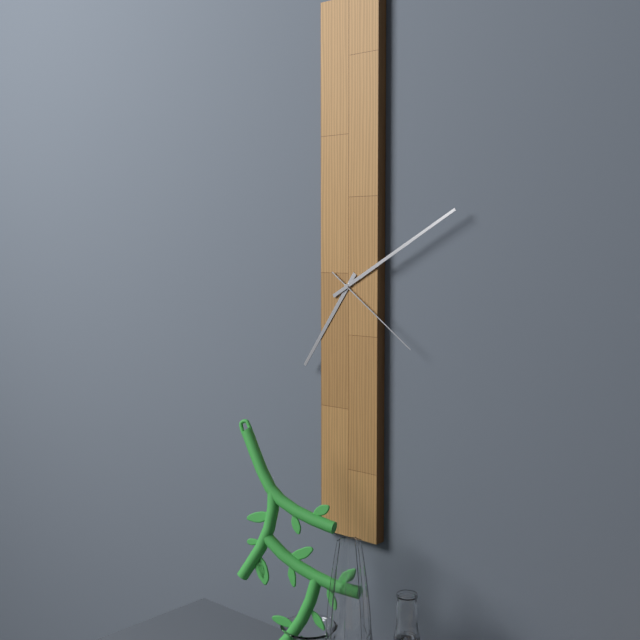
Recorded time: 7:10:21
